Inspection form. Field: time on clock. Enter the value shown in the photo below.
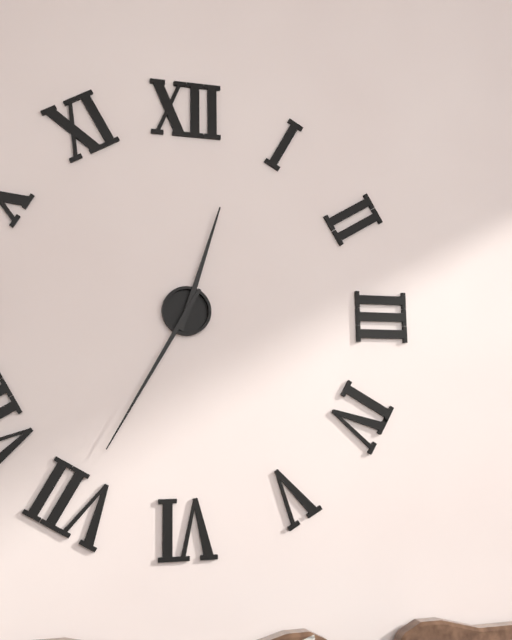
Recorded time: 12:35
